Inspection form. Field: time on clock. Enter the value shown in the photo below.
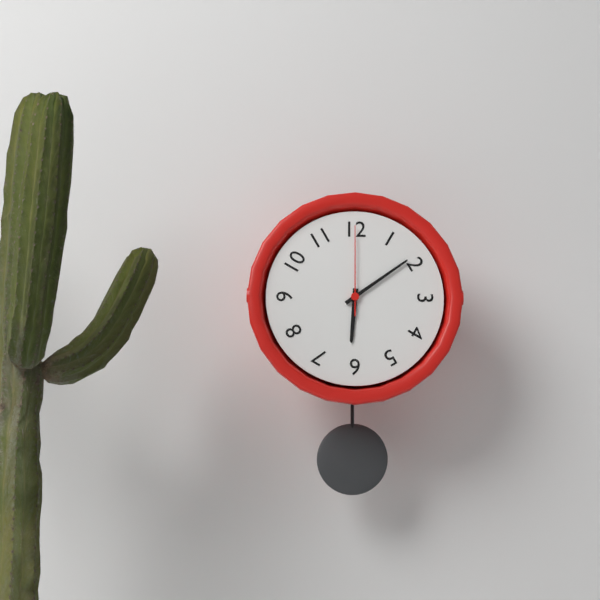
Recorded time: 6:09:00
